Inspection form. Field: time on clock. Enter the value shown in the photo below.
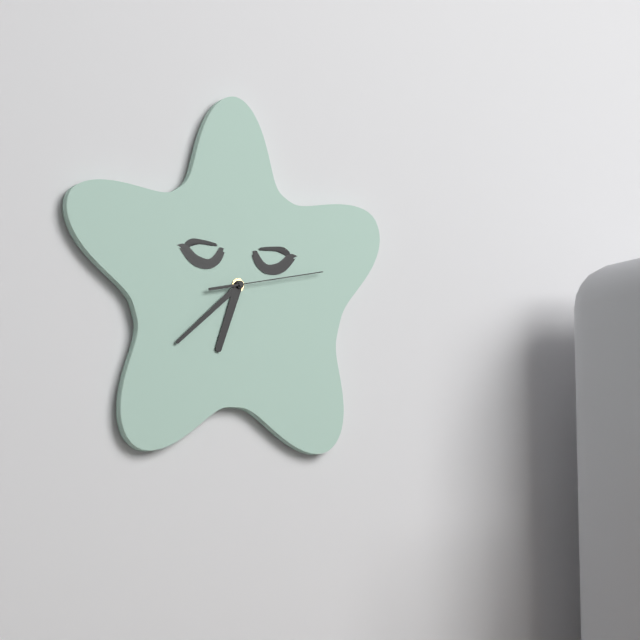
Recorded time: 6:38:13
